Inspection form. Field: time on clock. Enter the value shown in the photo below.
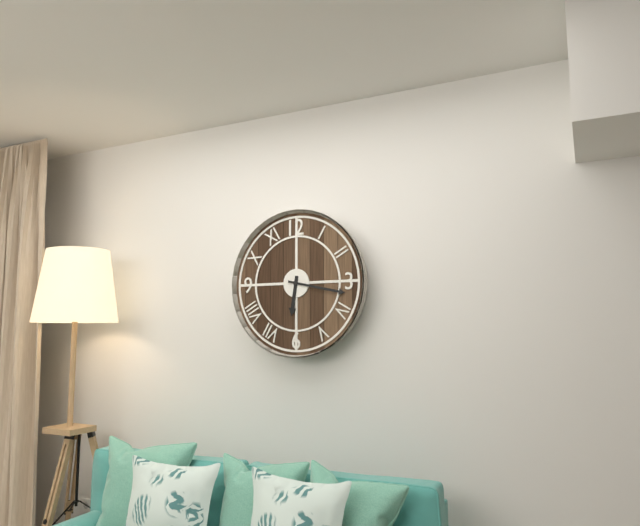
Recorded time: 6:17
